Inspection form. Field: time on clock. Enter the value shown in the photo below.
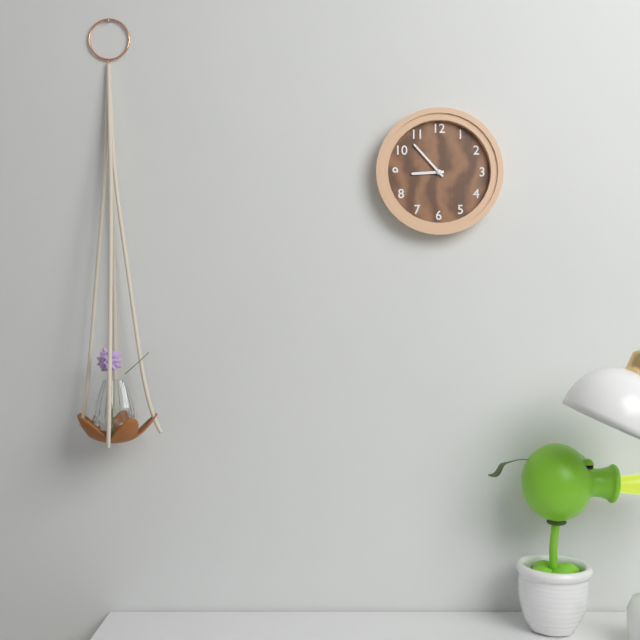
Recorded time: 8:53
